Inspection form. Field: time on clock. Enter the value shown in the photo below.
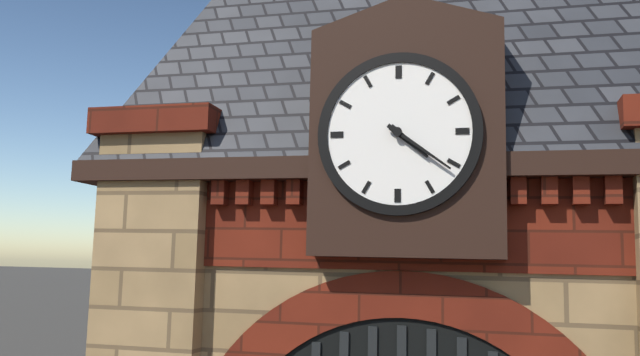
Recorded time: 4:21
